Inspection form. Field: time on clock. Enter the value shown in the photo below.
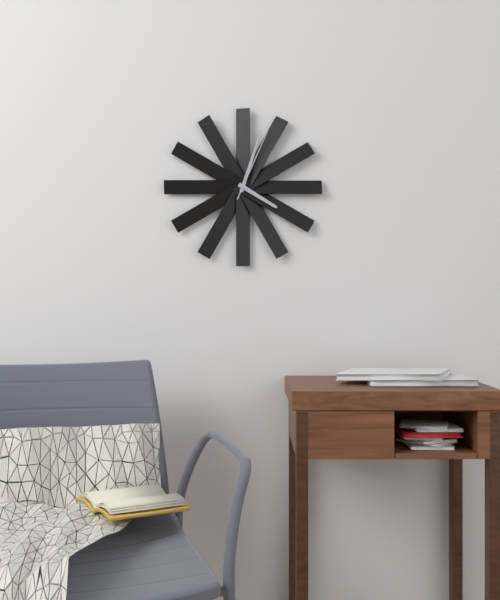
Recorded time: 4:03:04
